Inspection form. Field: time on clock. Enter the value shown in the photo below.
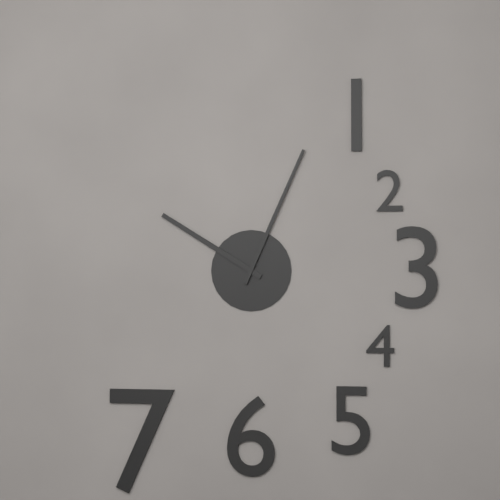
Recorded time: 10:04
